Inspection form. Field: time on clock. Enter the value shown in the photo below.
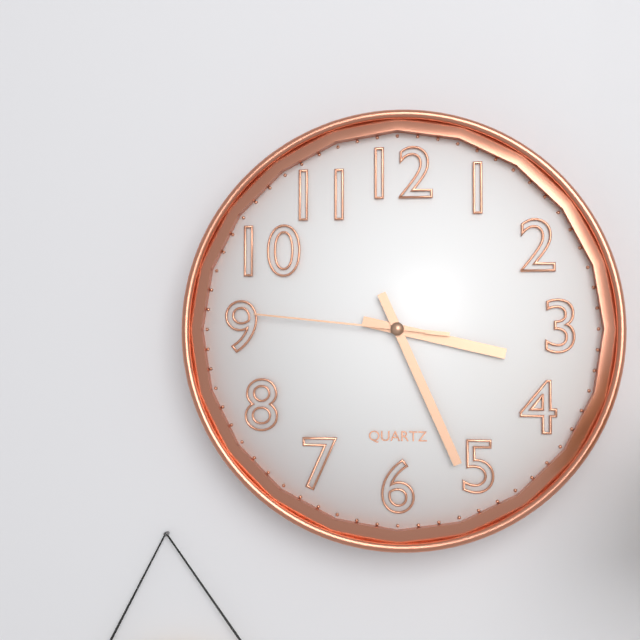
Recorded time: 3:26:46
